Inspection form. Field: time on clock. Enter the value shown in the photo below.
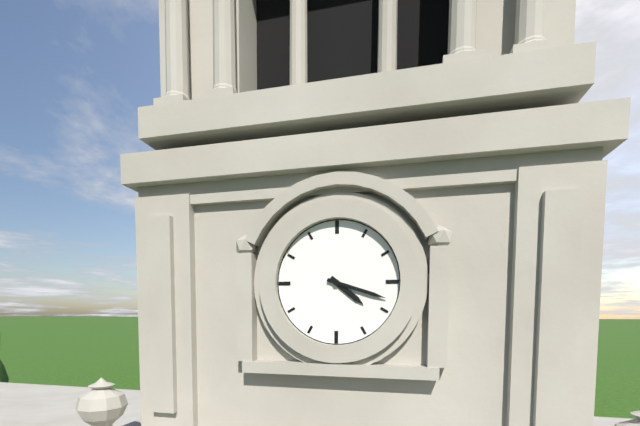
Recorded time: 4:18
